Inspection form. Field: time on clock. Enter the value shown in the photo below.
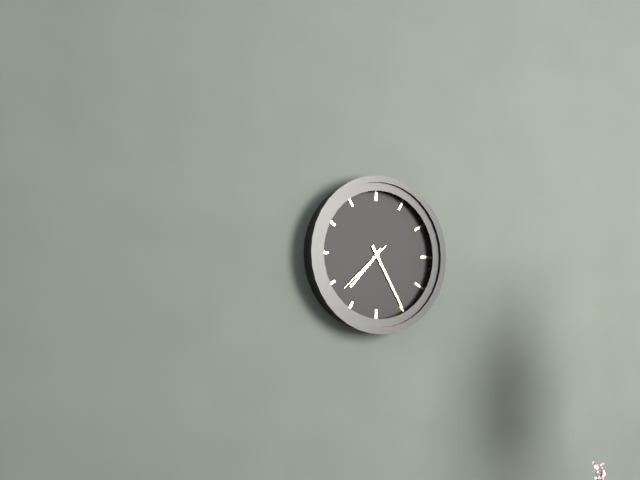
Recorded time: 7:25:38
